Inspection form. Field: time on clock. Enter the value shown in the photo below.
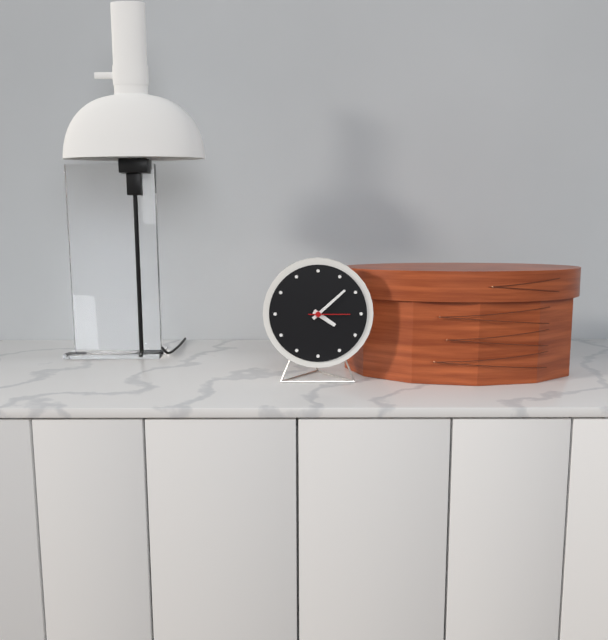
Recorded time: 4:08
